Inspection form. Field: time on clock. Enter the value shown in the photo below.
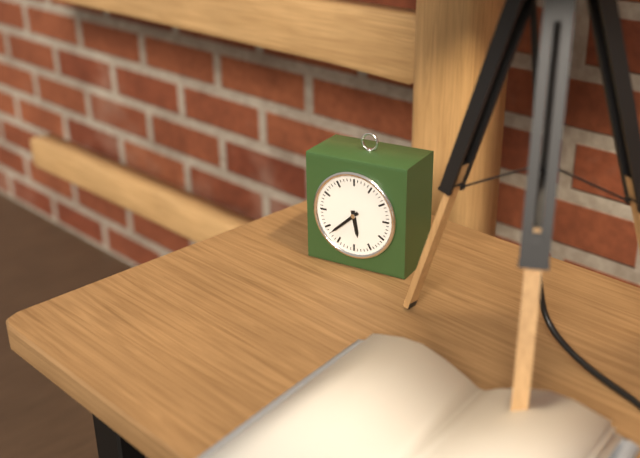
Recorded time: 5:38
